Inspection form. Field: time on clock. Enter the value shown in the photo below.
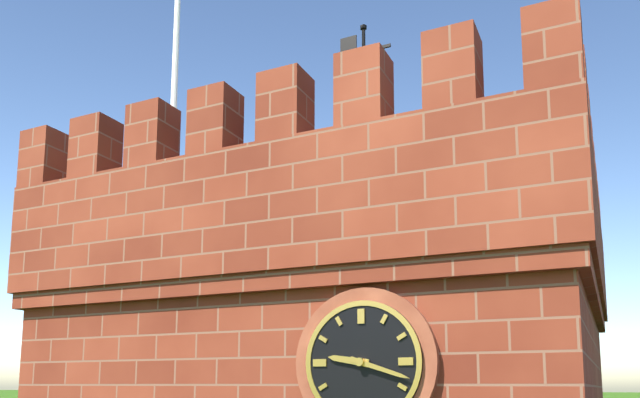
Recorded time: 9:18
